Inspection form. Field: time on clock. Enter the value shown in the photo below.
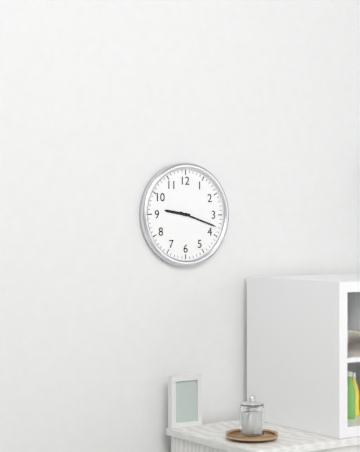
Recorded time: 9:18
